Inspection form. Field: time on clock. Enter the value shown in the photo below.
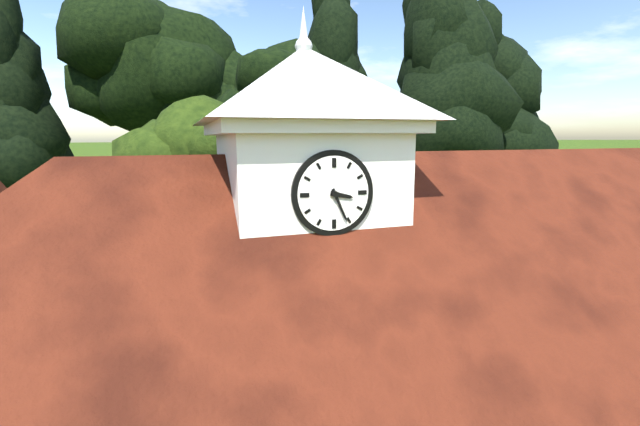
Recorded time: 3:26
